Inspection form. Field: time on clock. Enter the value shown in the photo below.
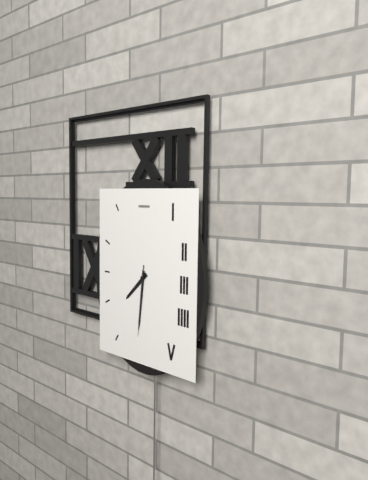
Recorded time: 7:31:31
